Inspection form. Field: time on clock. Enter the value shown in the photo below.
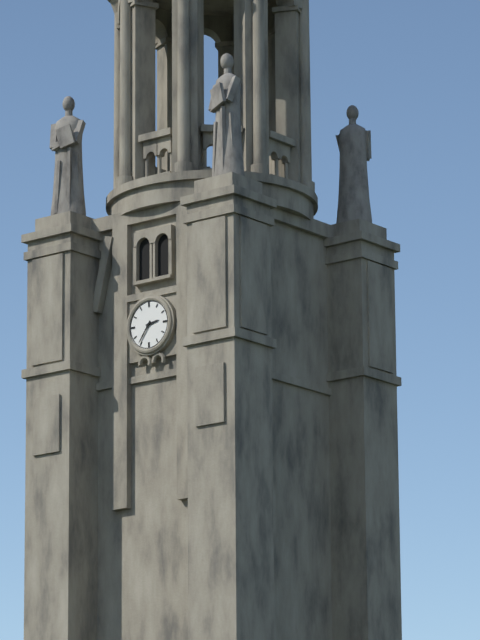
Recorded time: 2:36
